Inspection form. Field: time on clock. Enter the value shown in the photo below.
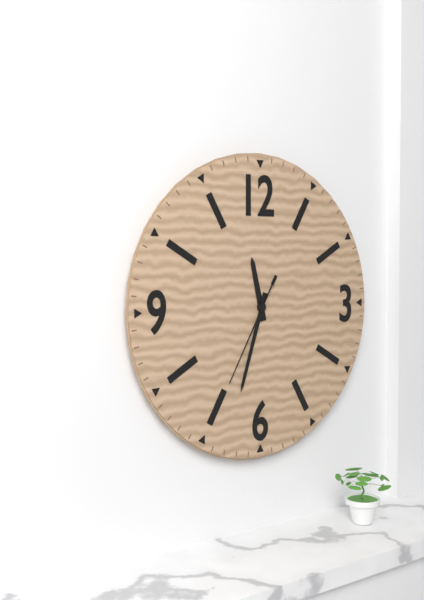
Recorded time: 11:33:35
